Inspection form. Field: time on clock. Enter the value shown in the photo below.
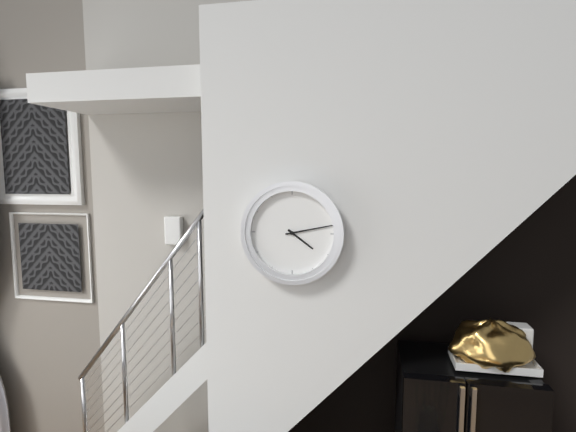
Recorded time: 4:13
